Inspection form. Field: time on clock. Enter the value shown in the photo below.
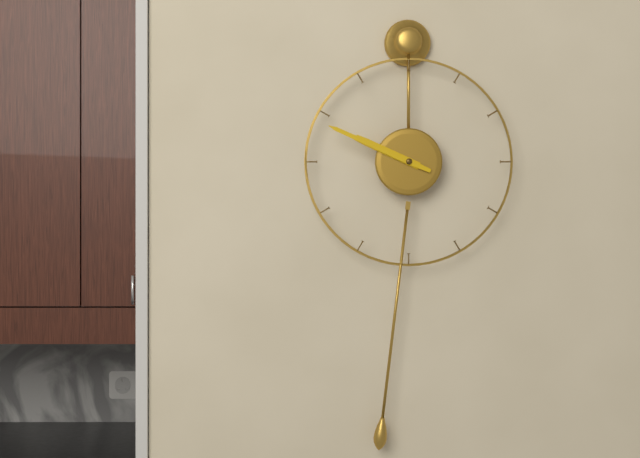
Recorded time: 9:49
